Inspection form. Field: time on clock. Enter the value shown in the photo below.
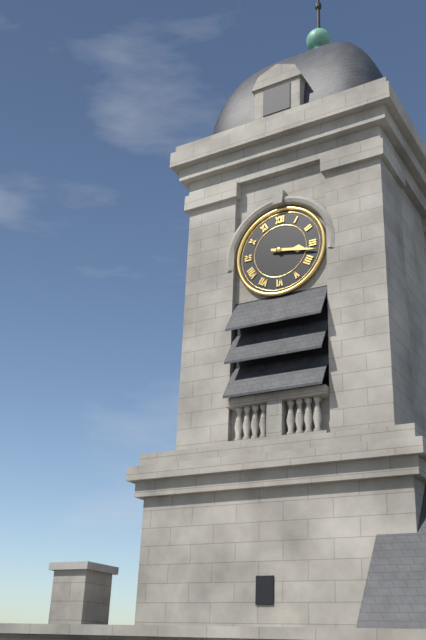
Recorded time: 3:17
